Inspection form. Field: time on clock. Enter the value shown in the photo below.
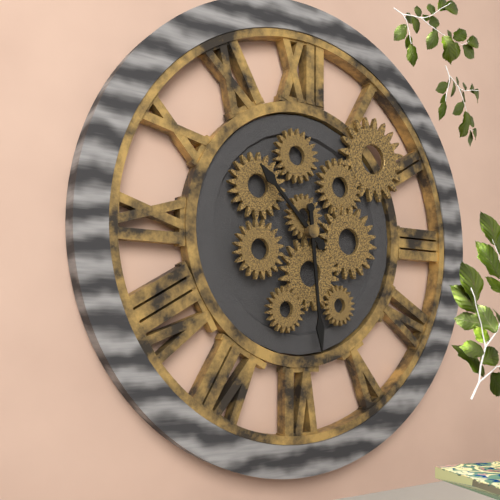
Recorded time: 10:29
